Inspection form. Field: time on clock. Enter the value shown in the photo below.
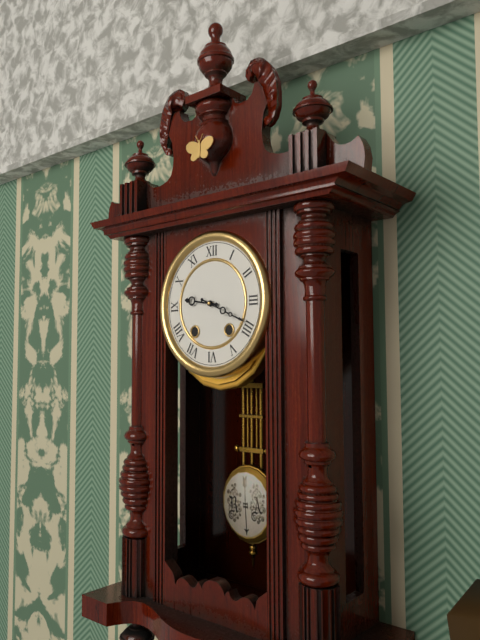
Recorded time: 9:19
